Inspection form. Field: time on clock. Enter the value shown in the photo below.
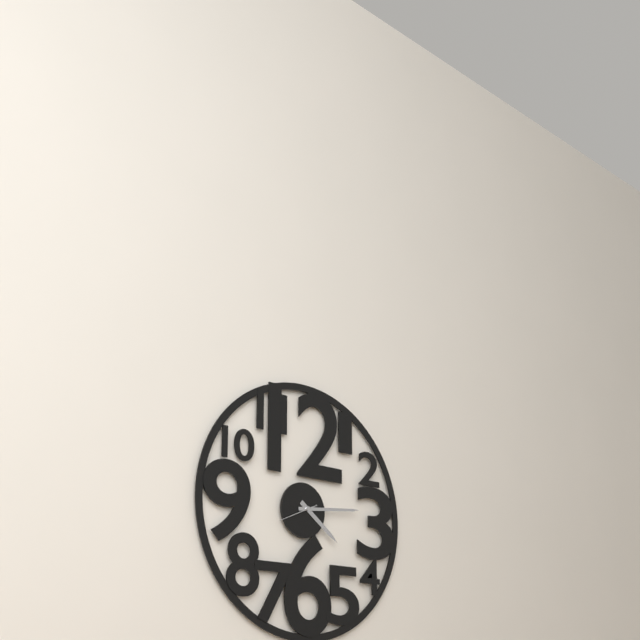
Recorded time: 4:14
